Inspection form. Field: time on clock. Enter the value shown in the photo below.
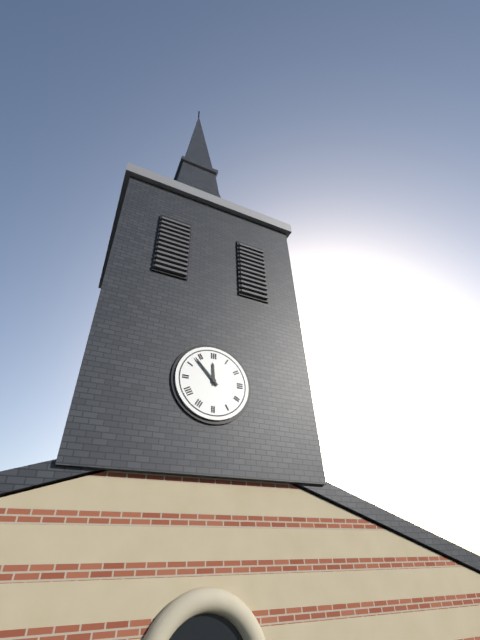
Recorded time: 11:53
